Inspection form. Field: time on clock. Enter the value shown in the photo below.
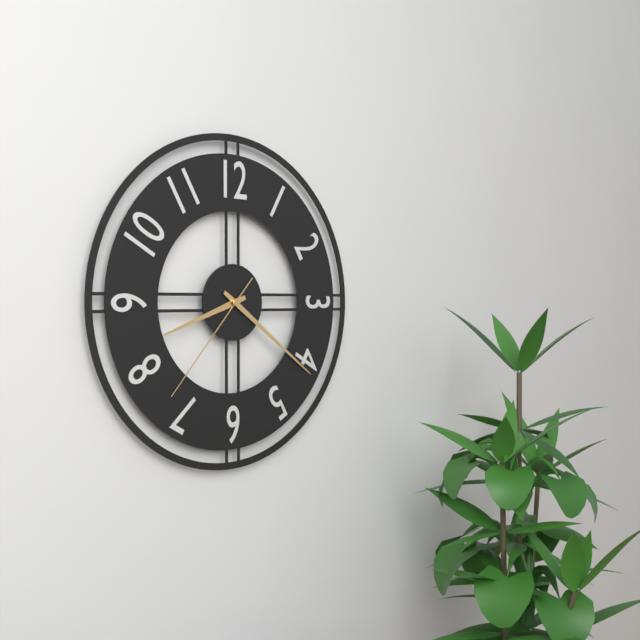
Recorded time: 8:21:37
